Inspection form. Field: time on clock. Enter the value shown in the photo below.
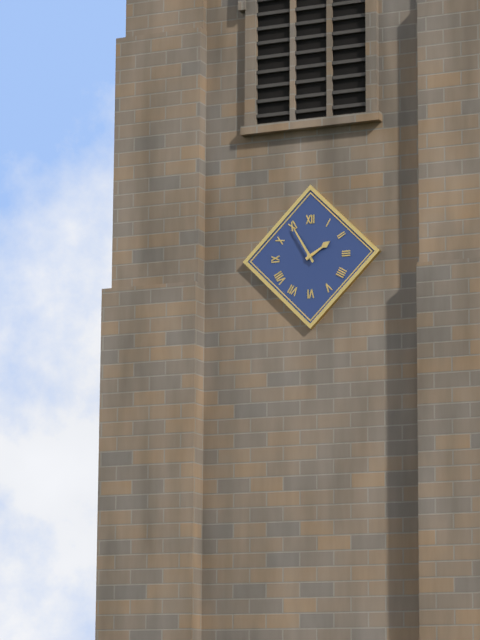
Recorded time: 1:55
